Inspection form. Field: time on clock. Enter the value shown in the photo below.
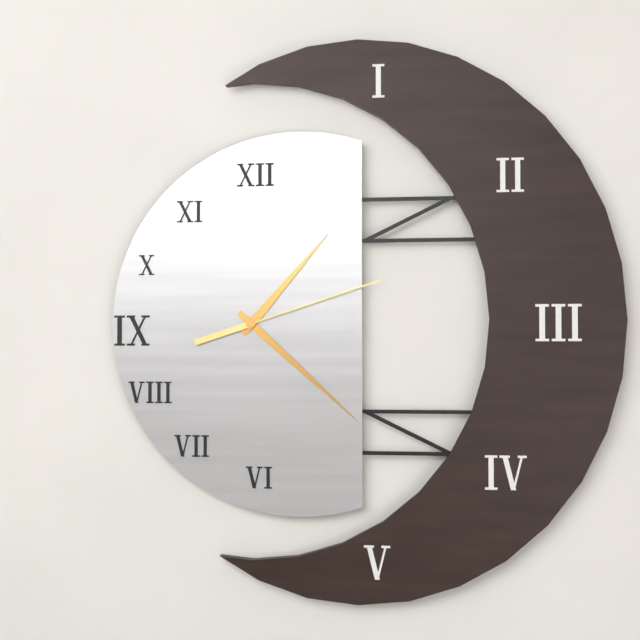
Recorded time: 1:22:12
